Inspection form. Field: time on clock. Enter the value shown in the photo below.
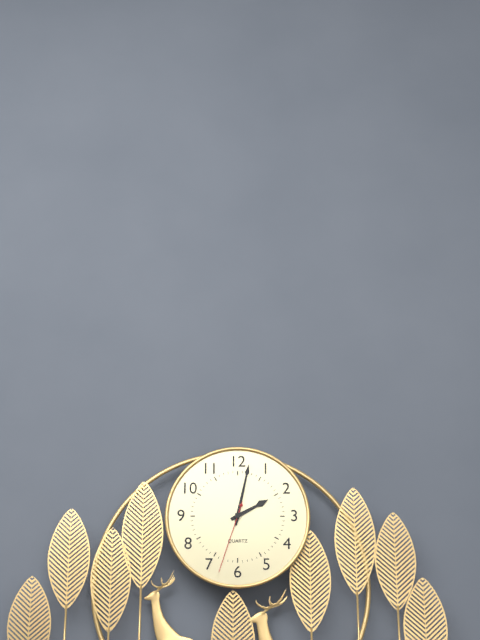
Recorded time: 2:02:33
